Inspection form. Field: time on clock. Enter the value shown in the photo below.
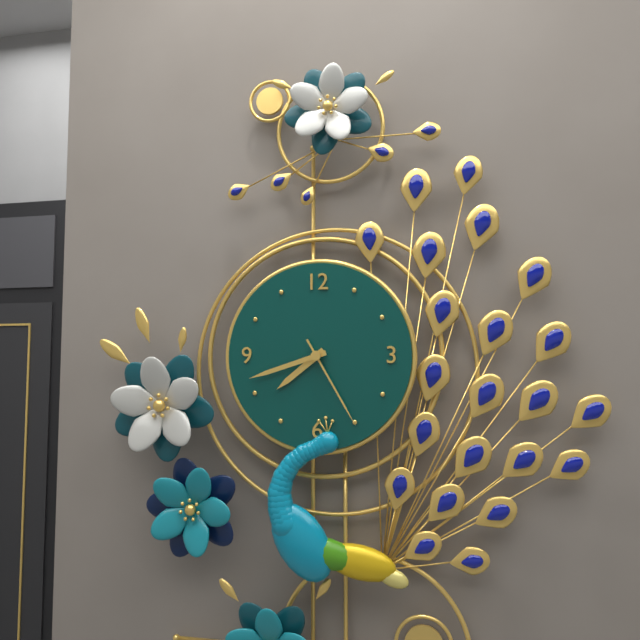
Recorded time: 7:42:25
